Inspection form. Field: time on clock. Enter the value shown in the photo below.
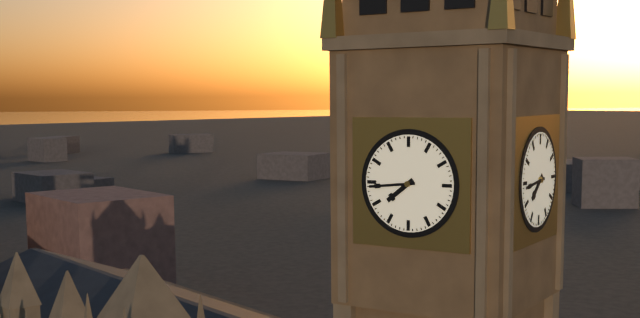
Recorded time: 7:44
